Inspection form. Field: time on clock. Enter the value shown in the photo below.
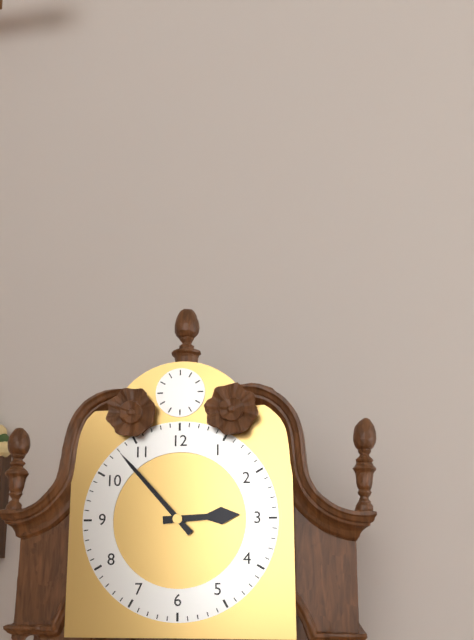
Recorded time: 2:53
